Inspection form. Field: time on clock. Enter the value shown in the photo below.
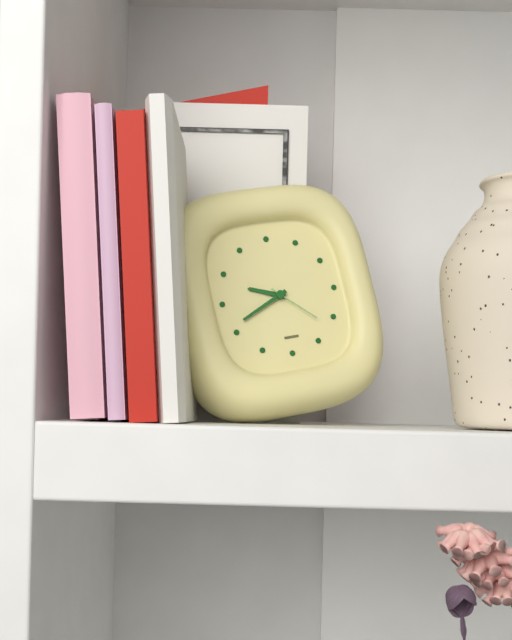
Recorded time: 9:41:22
